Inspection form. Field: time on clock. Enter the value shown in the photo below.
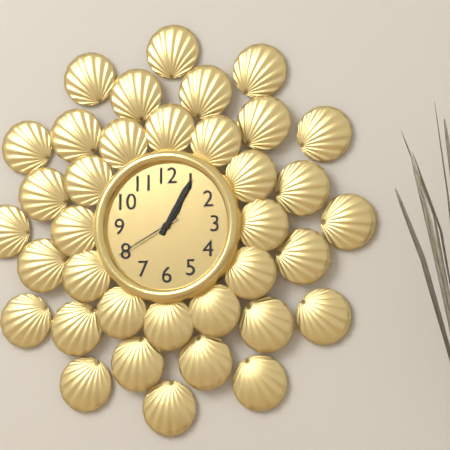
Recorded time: 1:05:40
